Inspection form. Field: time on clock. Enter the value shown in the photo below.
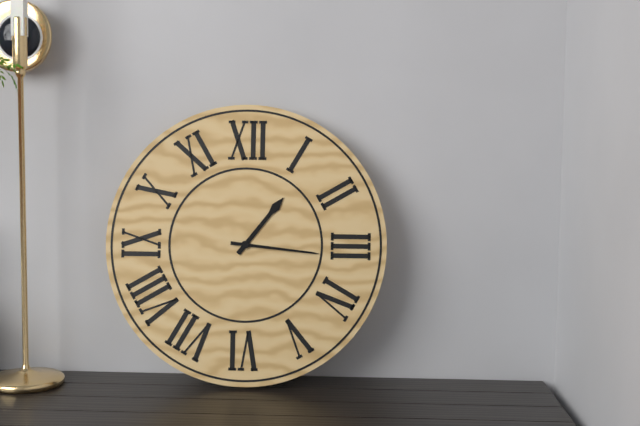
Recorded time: 1:16
